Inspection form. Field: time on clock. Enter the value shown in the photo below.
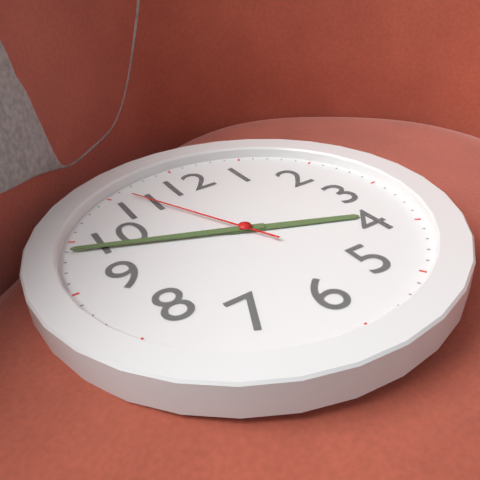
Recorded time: 3:49:56
